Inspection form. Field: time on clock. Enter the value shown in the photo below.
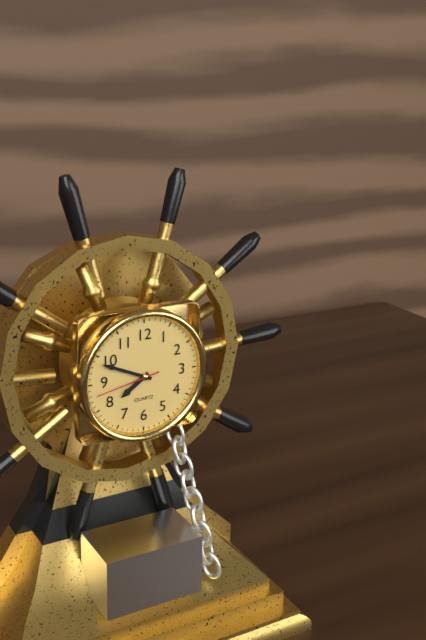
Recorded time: 7:49:43
